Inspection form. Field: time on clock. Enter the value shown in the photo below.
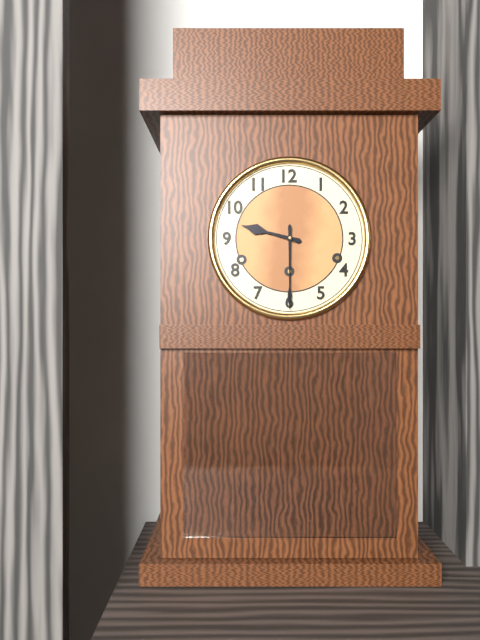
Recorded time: 9:30
